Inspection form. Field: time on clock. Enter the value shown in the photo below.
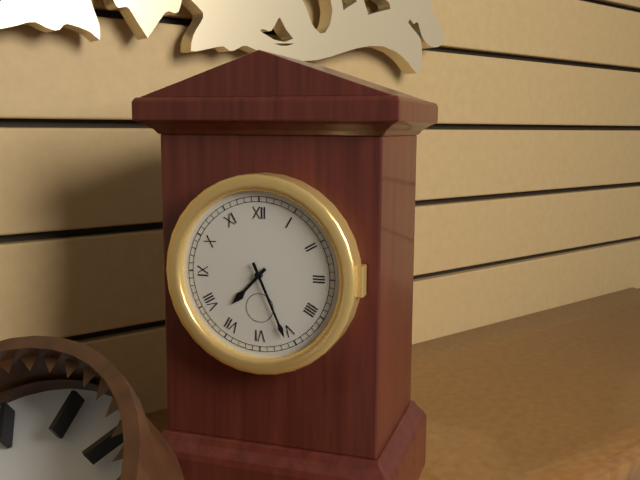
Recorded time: 7:26
